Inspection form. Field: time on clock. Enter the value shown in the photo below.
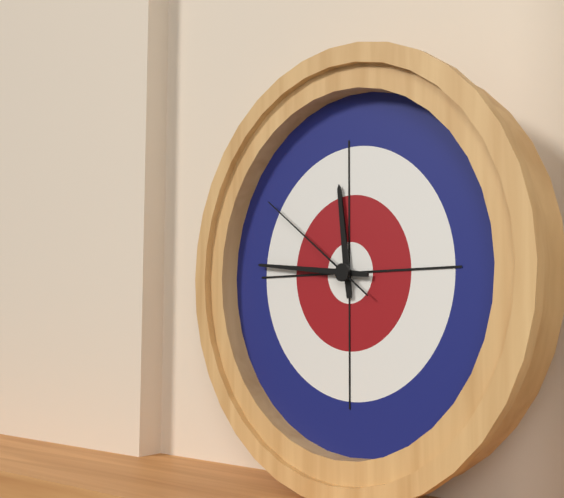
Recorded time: 11:46:51
